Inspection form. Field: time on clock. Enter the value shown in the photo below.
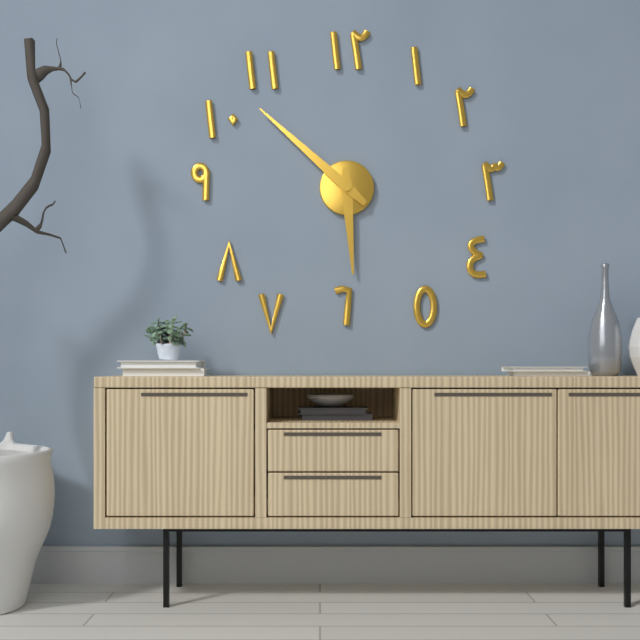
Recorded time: 5:52
